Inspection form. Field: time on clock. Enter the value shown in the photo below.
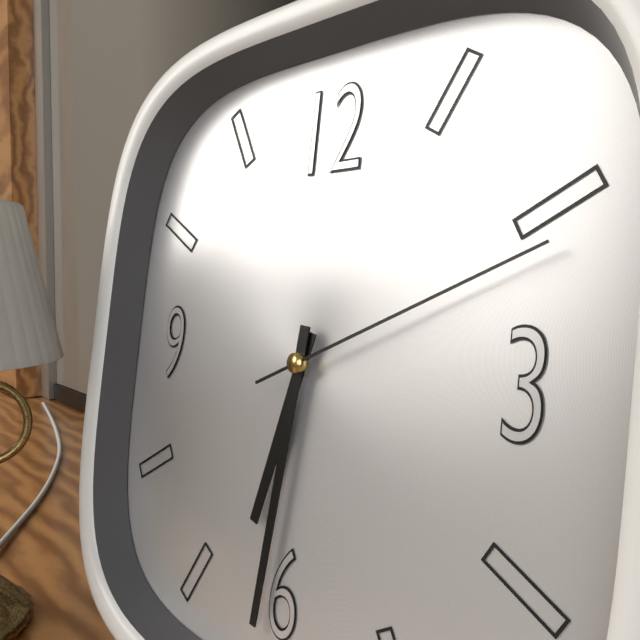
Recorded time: 6:31:11
